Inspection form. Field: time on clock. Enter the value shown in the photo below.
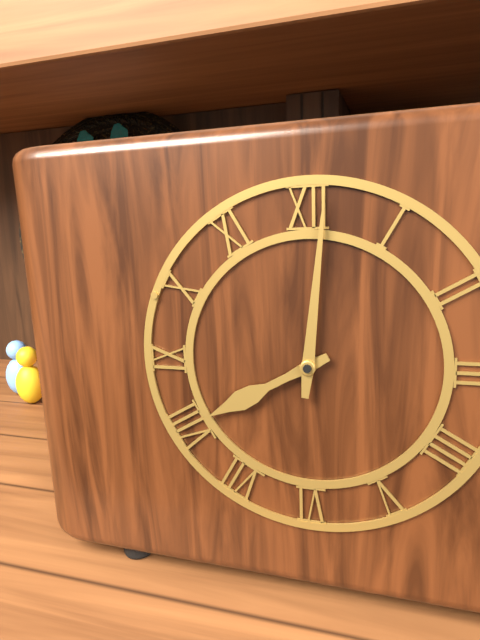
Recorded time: 8:01
